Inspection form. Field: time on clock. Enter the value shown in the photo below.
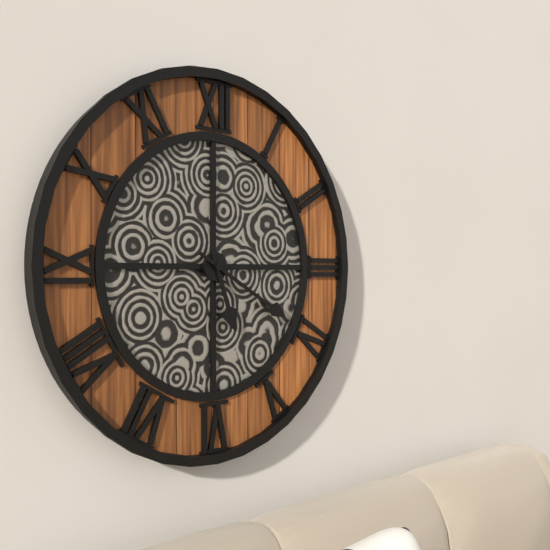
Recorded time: 5:20
